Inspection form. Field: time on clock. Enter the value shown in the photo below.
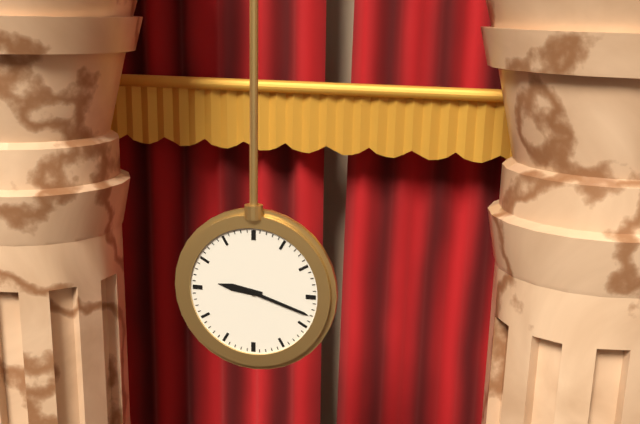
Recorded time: 9:18
